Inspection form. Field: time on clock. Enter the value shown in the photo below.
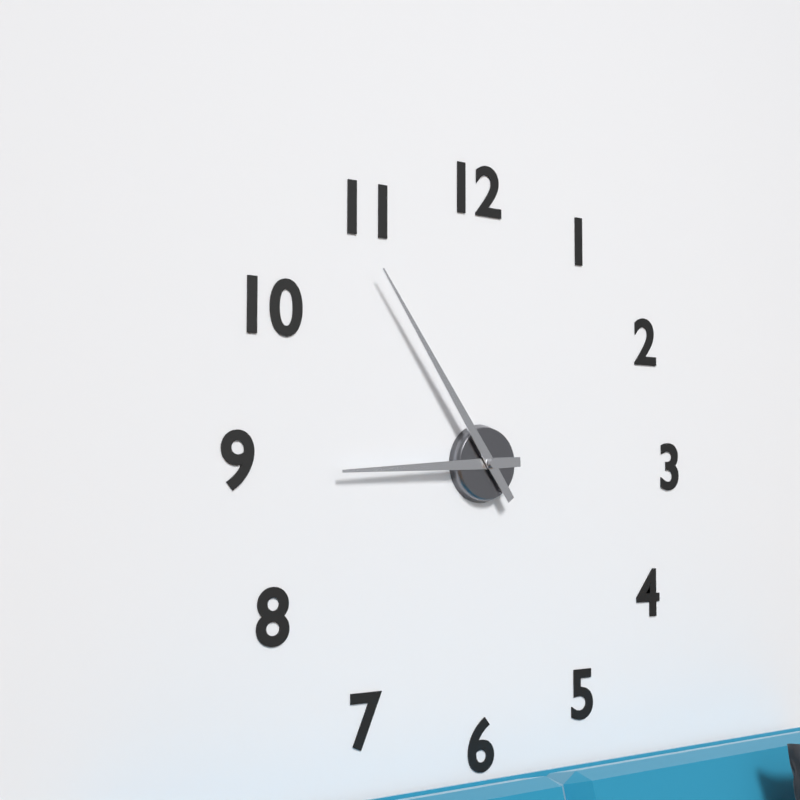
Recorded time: 8:54
